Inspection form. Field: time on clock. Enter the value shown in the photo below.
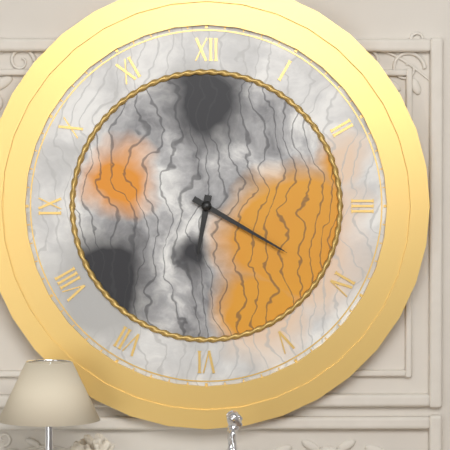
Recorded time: 6:20
